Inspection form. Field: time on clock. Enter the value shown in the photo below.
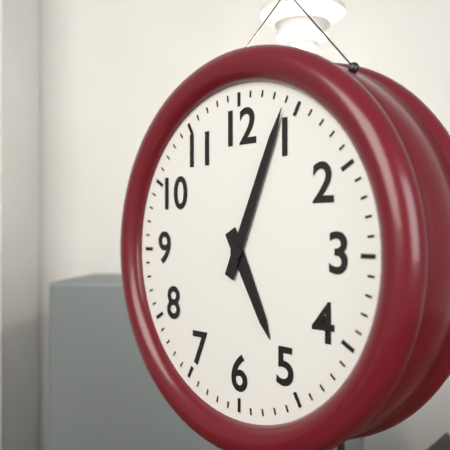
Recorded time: 5:04
